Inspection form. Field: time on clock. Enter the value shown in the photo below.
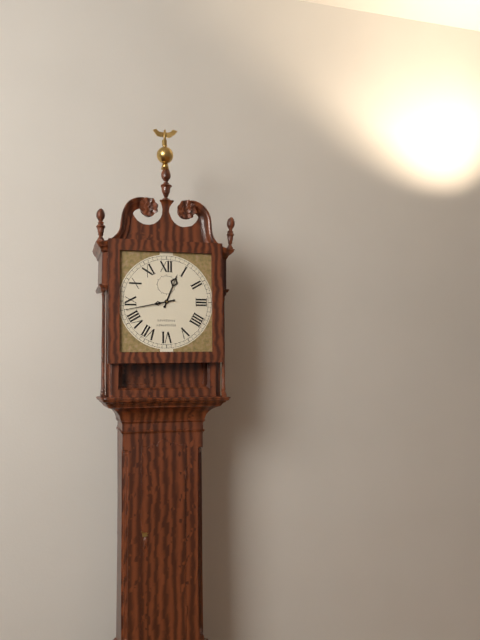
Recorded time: 12:43
